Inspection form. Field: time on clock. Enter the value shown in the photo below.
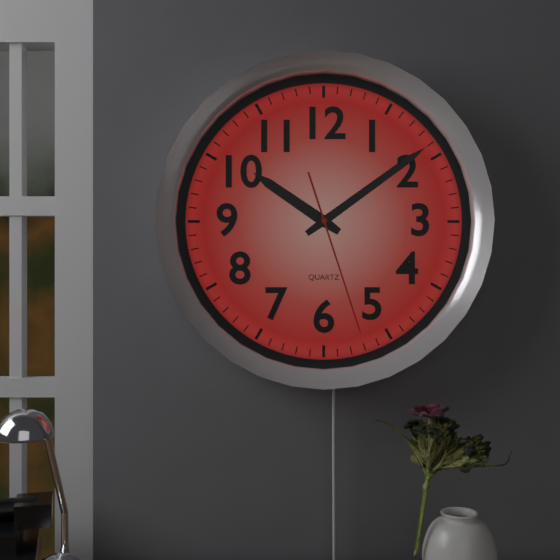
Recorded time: 10:09:27
